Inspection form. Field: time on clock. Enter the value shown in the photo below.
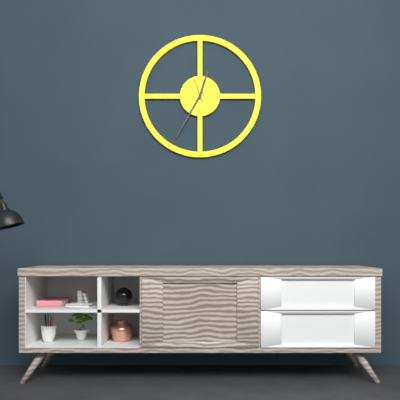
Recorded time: 12:35
